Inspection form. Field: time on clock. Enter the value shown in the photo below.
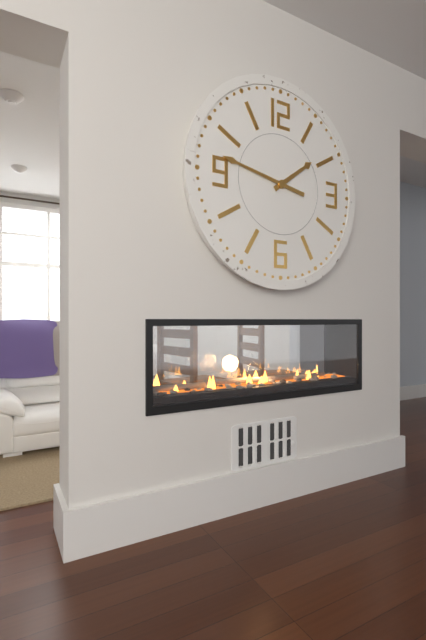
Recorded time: 1:47
